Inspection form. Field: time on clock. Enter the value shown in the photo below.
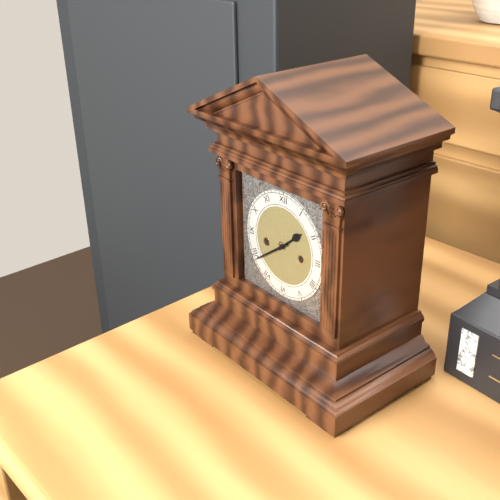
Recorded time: 1:39
